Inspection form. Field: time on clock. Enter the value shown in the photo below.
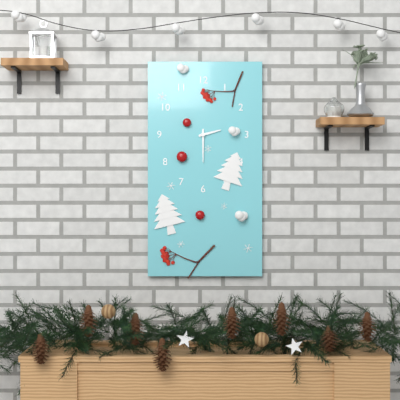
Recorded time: 2:30
